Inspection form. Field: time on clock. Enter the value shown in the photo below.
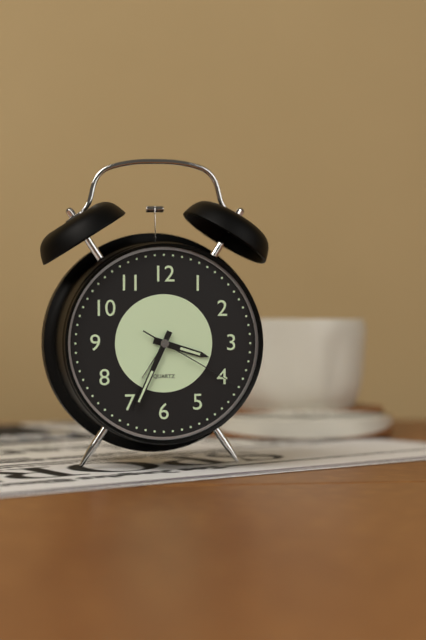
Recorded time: 3:34:20
